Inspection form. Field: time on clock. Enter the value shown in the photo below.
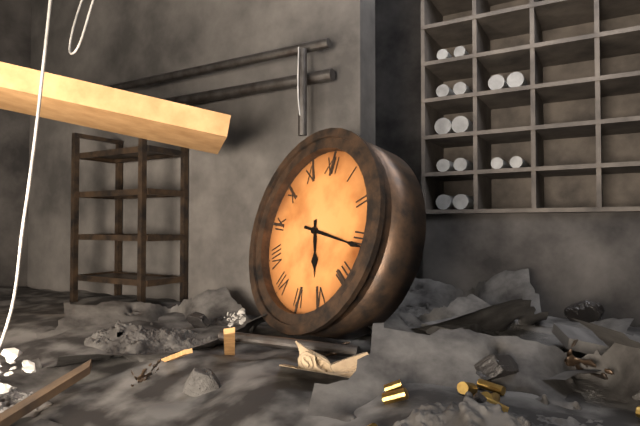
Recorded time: 5:16
